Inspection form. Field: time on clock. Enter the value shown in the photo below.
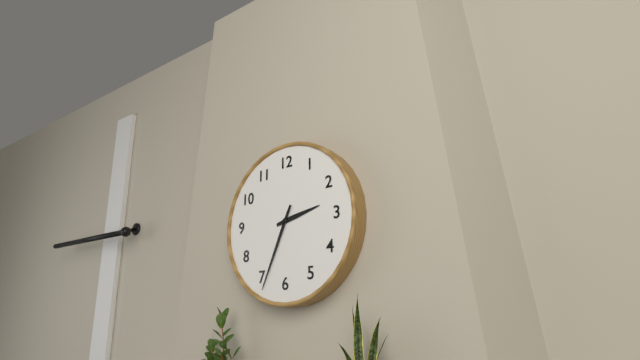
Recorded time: 2:34
